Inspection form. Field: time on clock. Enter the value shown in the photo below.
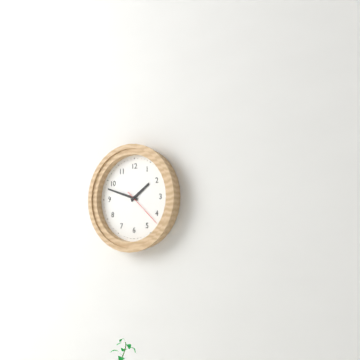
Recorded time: 1:48
